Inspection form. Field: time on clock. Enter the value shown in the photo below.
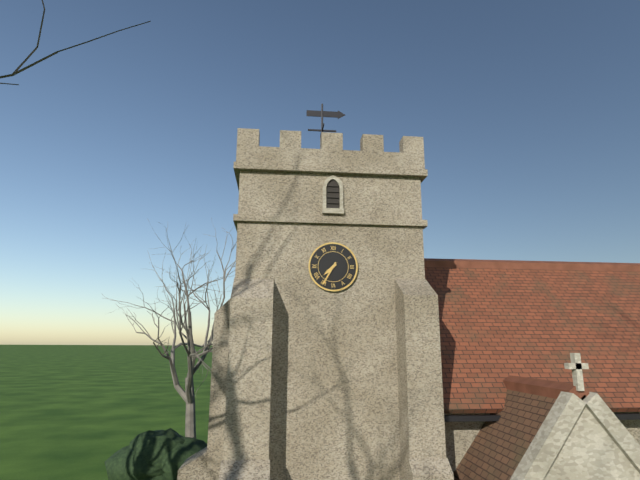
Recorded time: 7:35
